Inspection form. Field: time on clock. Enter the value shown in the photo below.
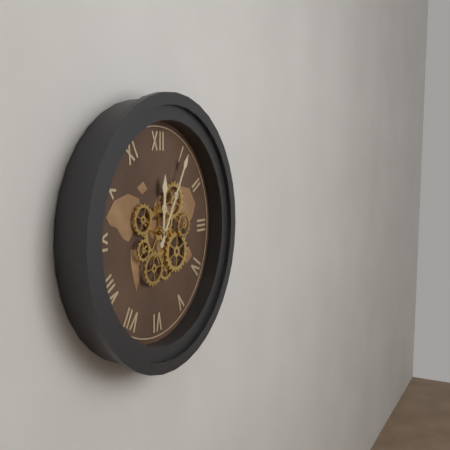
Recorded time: 12:05
